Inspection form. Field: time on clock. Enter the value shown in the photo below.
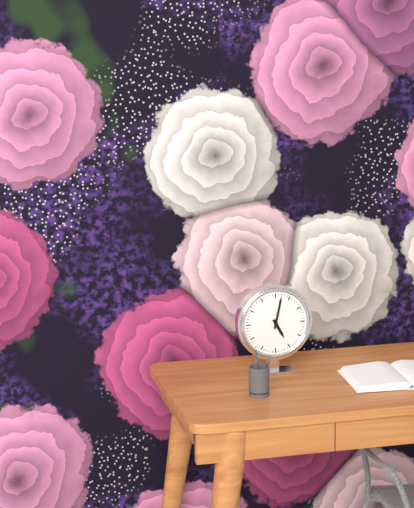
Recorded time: 5:02
